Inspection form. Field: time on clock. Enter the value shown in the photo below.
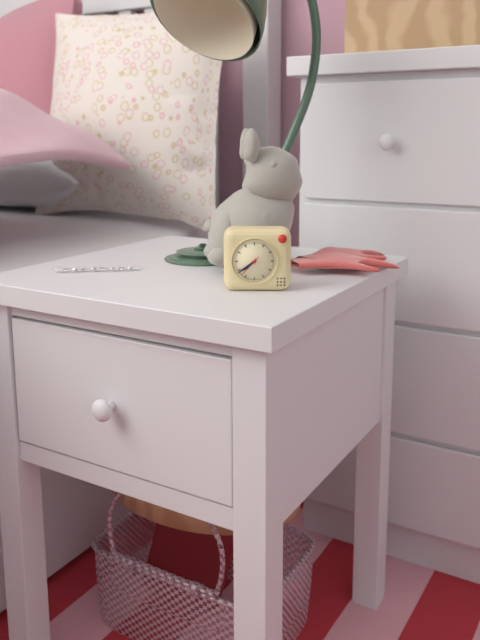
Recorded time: 7:39
